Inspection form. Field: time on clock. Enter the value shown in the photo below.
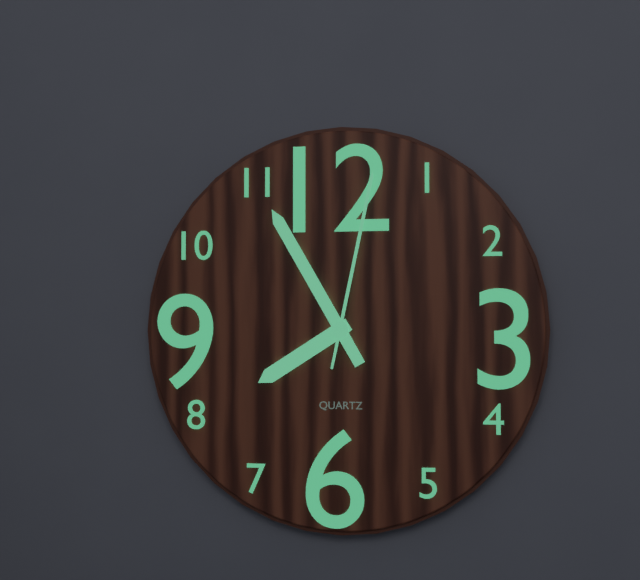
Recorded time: 7:55:02
